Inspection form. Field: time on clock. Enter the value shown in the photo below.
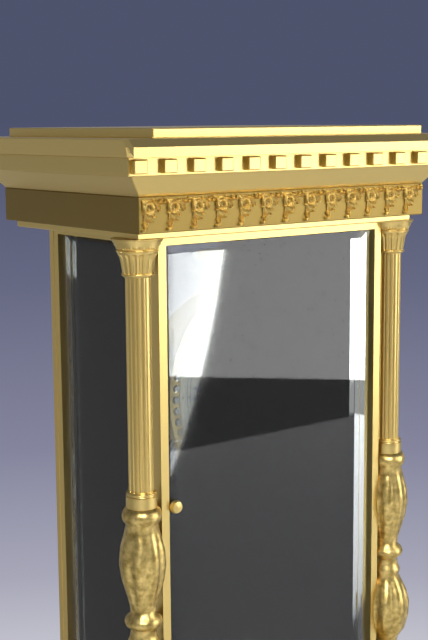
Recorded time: 9:32
